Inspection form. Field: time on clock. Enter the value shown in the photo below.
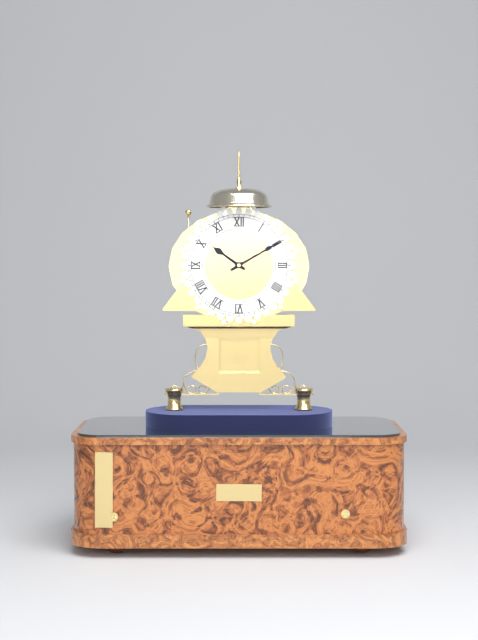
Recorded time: 10:10
